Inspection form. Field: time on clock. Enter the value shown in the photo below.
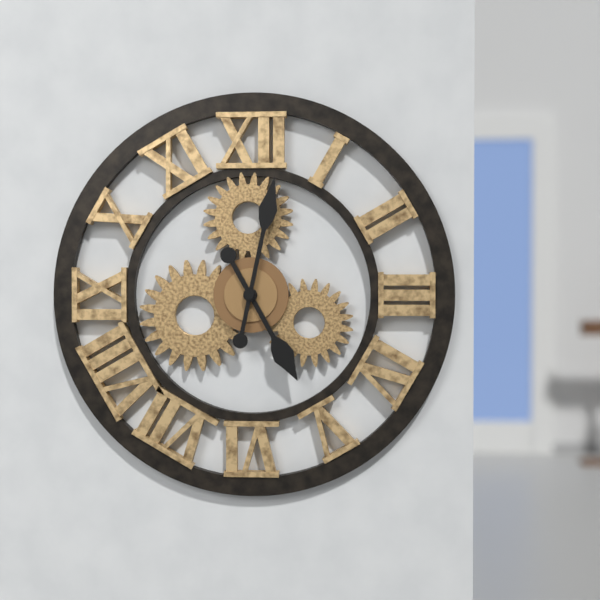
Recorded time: 5:02
